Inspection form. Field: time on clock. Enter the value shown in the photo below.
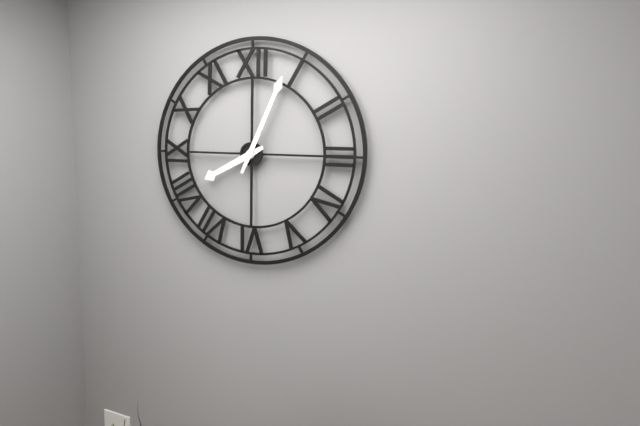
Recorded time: 8:04
